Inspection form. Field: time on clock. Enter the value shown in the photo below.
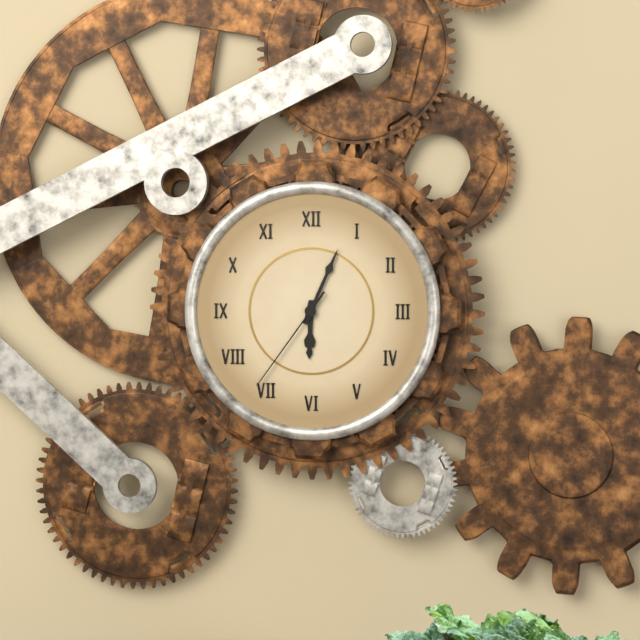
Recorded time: 6:04:36
